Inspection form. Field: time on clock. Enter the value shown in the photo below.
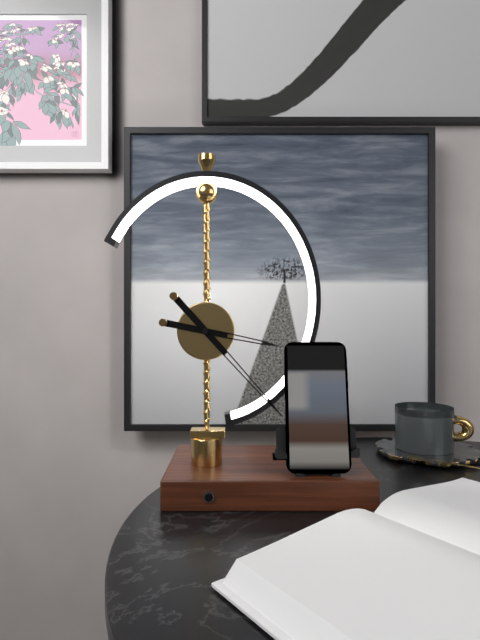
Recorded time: 3:23
